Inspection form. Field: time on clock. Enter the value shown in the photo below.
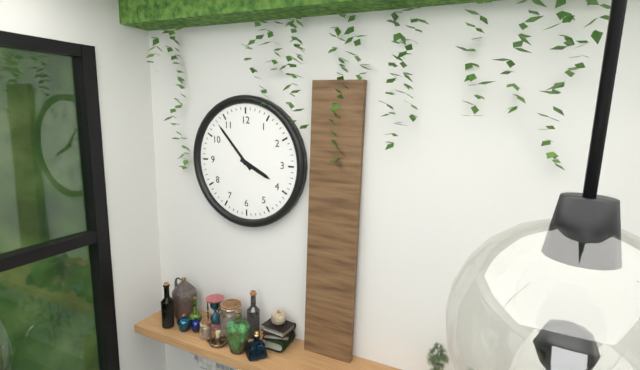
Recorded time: 3:53
